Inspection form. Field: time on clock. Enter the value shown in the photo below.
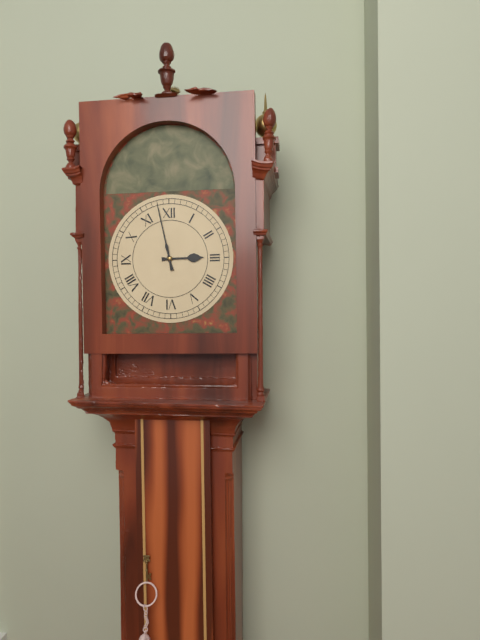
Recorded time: 2:58
